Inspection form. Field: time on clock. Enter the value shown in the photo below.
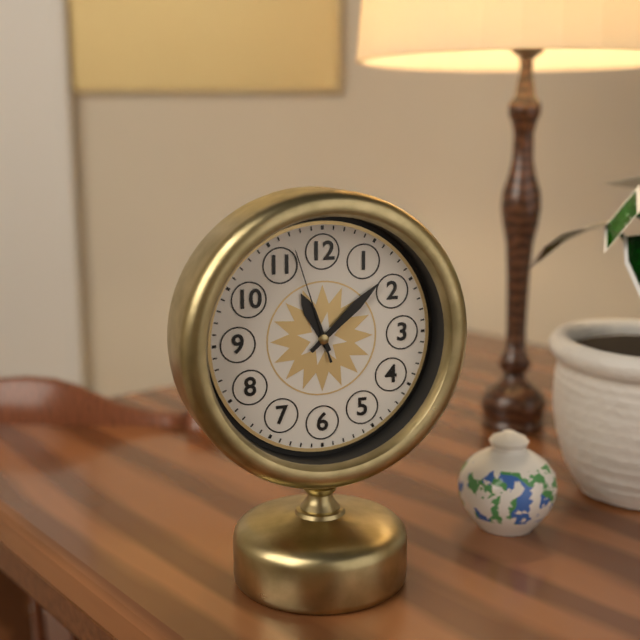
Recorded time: 11:08:57
